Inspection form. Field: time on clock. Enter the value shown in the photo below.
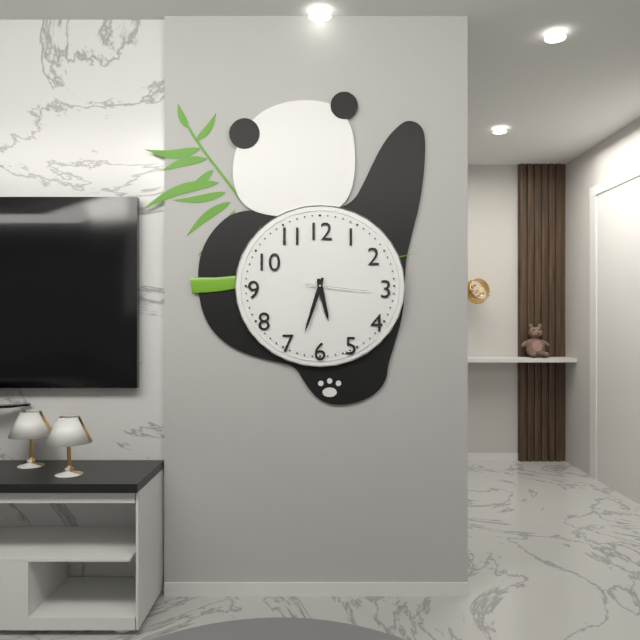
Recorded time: 5:33:16
